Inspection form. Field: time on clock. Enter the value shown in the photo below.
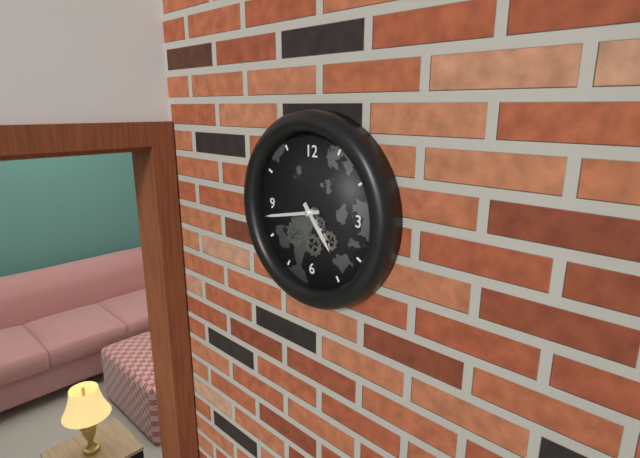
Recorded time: 4:43
